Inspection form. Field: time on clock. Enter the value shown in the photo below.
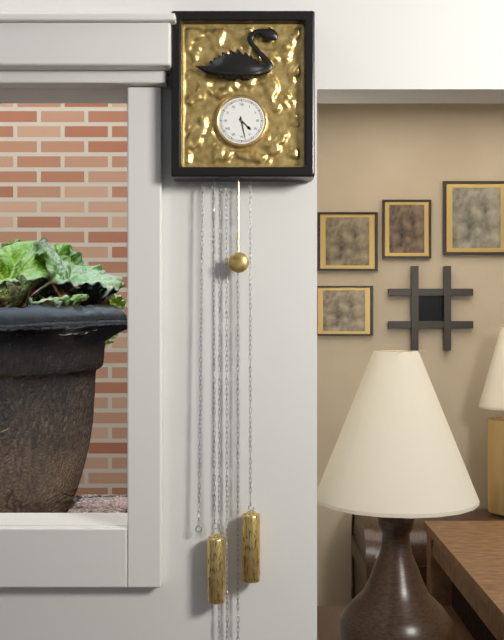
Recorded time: 4:28
